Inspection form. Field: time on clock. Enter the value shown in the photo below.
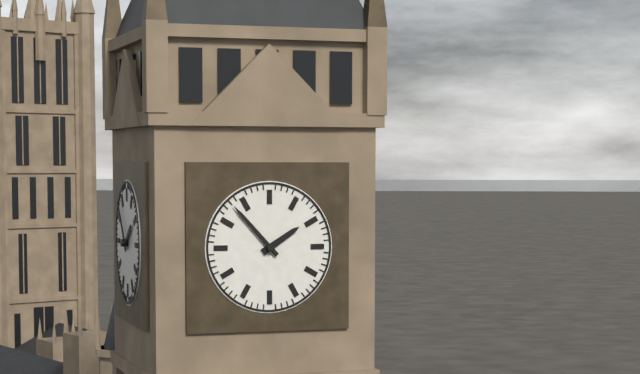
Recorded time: 1:53
